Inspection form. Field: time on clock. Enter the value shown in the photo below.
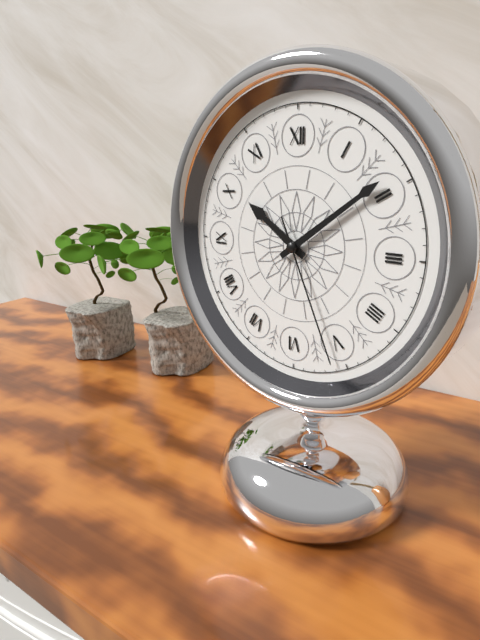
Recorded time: 10:09:26
